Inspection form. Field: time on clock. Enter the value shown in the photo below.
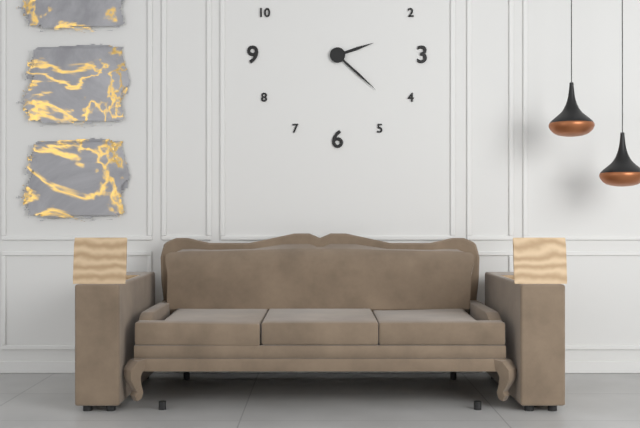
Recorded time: 2:22
